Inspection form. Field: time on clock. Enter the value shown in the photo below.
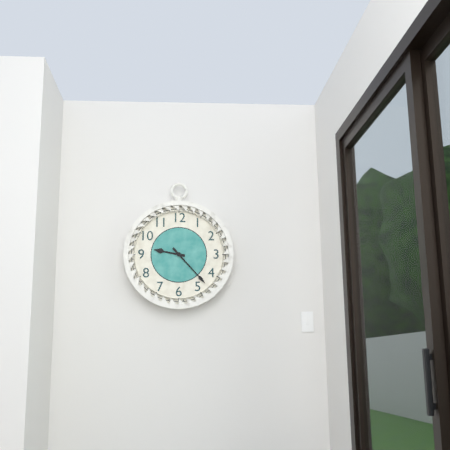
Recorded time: 9:23
